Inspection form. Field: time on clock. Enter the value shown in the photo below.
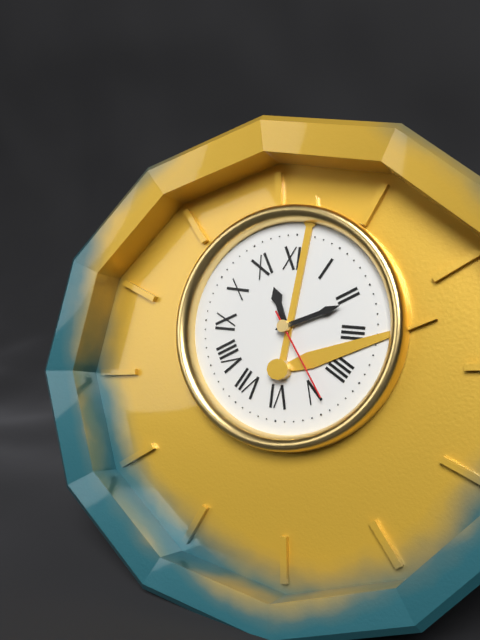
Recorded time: 11:11:24
